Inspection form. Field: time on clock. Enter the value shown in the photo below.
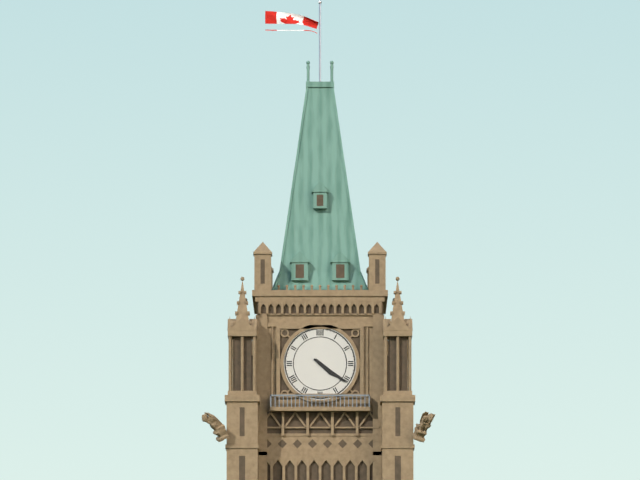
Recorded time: 4:21
